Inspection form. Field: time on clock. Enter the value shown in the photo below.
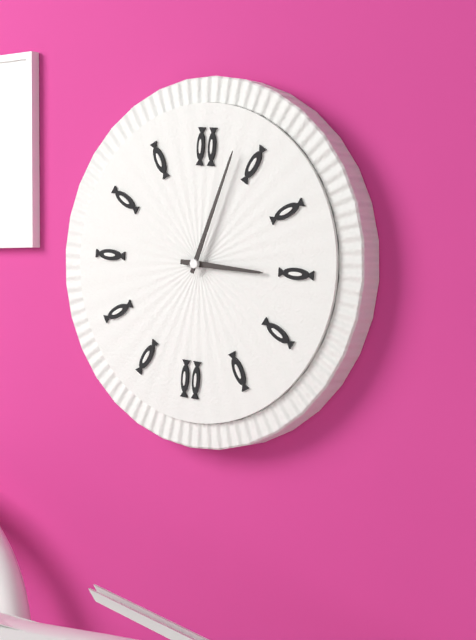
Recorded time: 3:03
